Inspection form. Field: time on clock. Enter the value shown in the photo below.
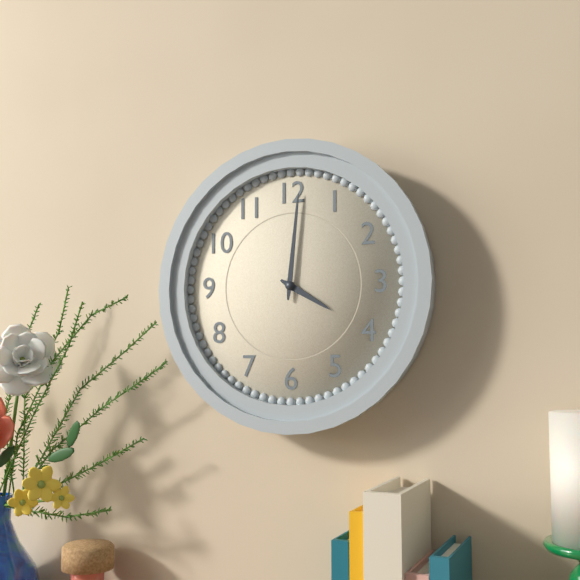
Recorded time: 4:01
